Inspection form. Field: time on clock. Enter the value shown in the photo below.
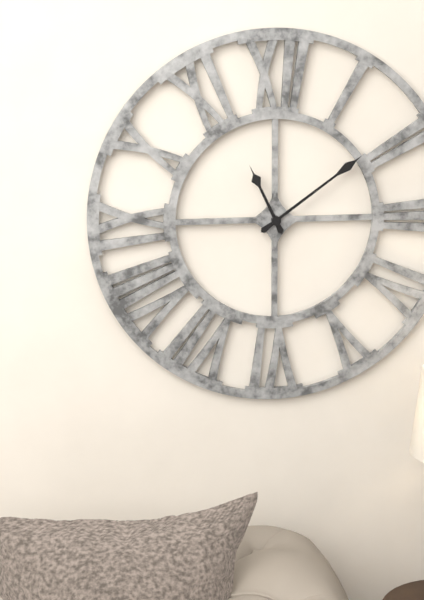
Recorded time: 11:09
